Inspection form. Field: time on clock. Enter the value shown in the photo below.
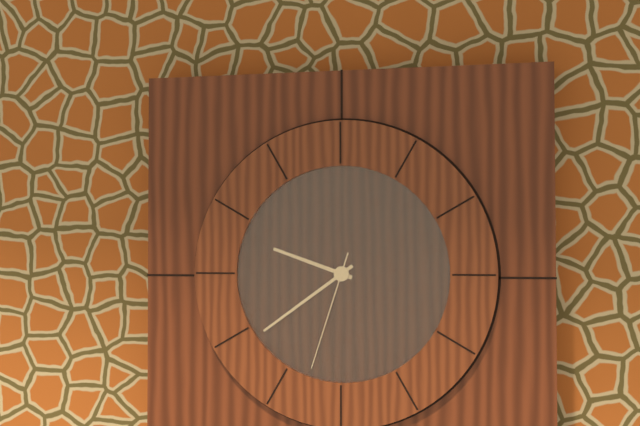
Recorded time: 9:39:33
